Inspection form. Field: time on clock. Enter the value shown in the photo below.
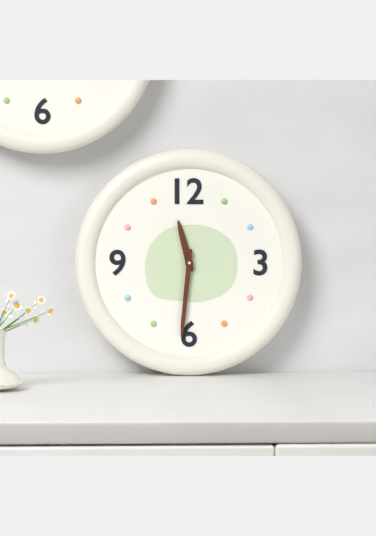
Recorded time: 11:31
